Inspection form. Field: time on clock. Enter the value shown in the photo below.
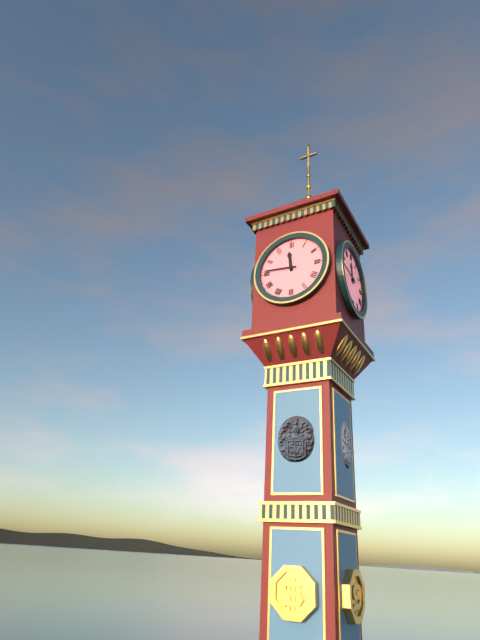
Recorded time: 11:46
